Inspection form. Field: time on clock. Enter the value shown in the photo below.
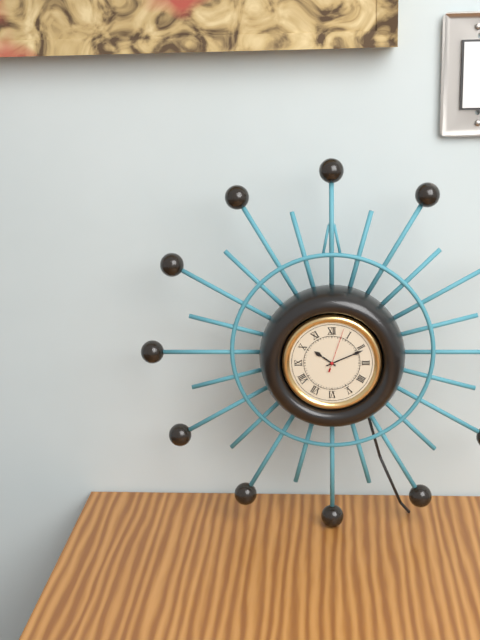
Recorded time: 10:11
